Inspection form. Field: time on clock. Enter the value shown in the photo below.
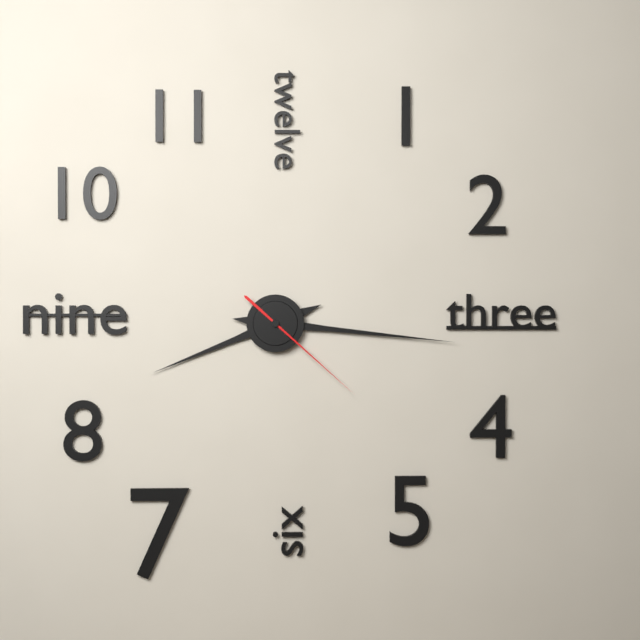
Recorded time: 8:16:22
